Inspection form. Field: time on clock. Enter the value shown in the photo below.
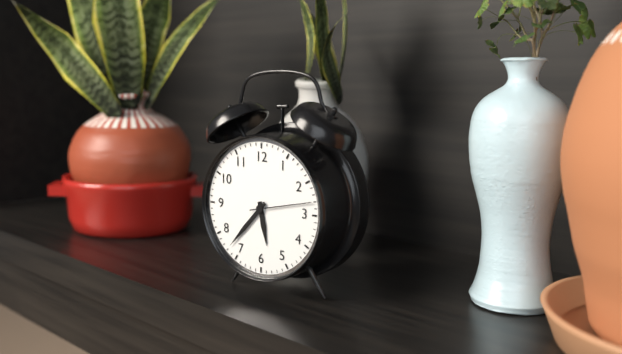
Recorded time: 5:37:13
